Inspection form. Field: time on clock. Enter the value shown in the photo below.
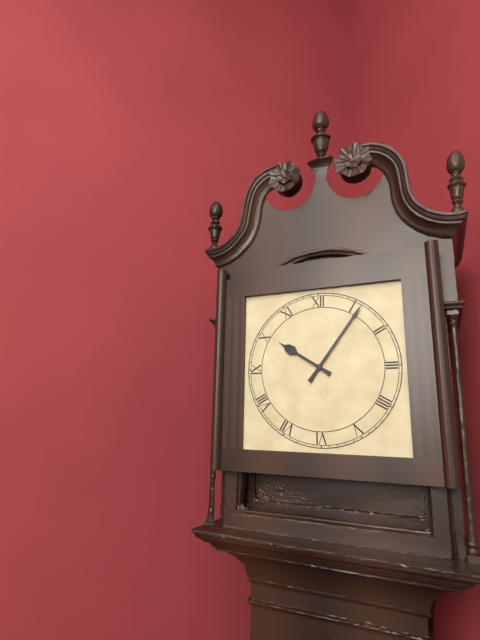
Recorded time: 10:06
